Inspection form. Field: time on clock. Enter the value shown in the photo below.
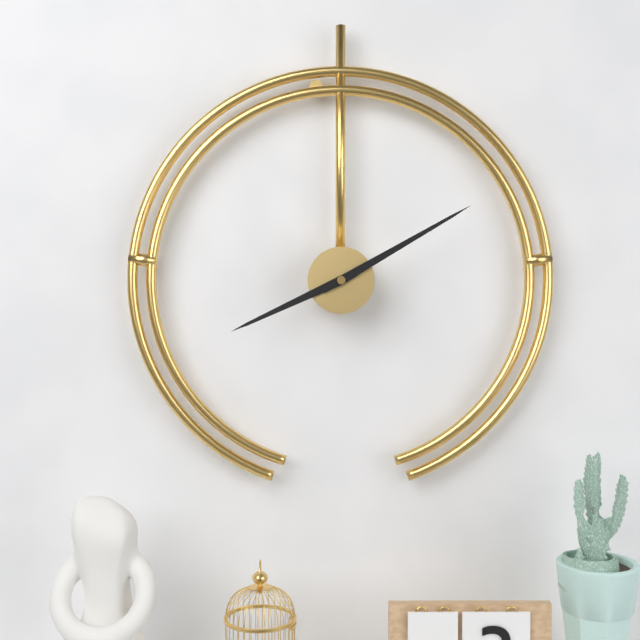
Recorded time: 8:10
